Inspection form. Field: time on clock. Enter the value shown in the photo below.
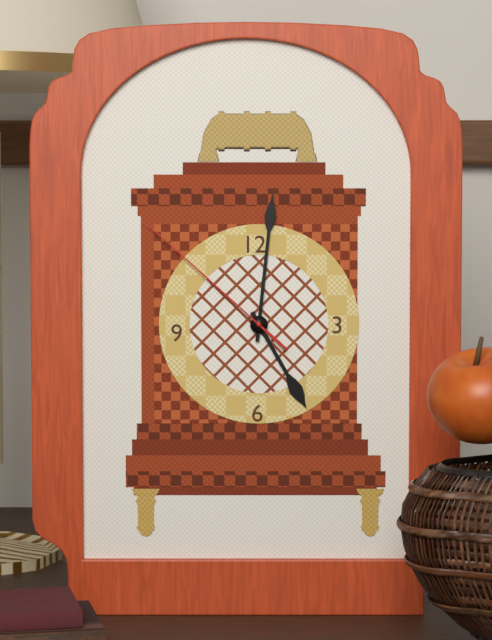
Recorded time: 5:01:52
